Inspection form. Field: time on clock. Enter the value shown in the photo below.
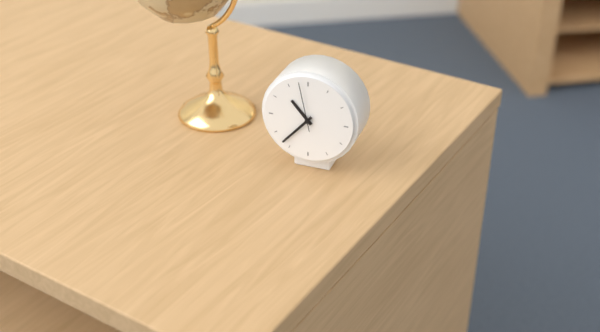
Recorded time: 10:37
